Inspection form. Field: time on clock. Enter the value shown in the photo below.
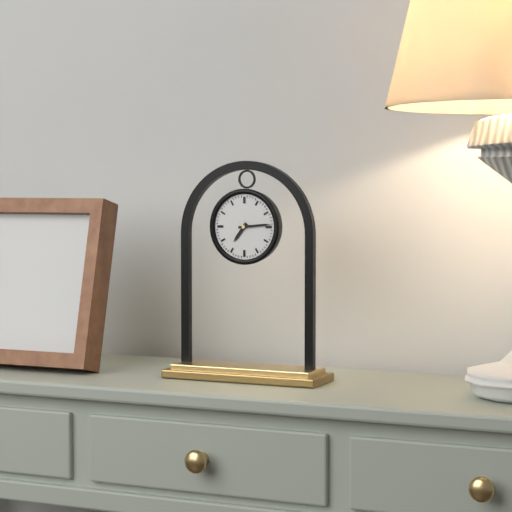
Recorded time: 7:14
